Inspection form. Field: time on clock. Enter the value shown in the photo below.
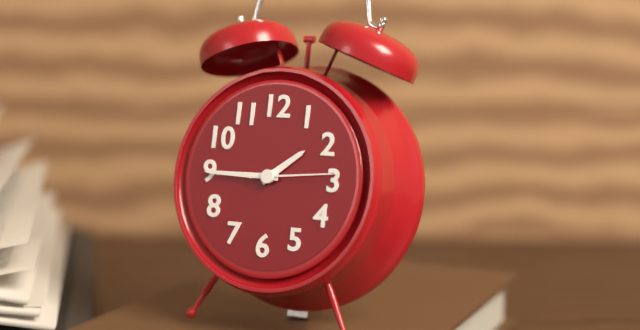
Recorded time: 1:45:14
